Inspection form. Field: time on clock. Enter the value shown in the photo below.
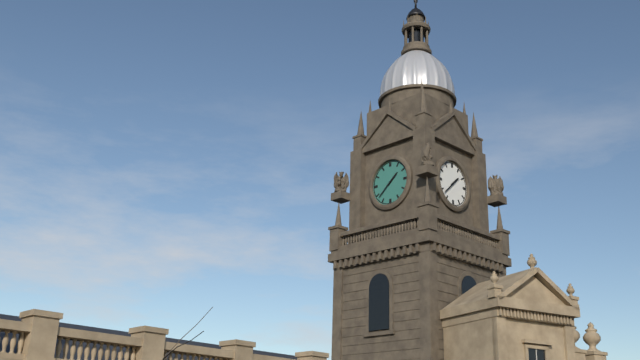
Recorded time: 1:38
